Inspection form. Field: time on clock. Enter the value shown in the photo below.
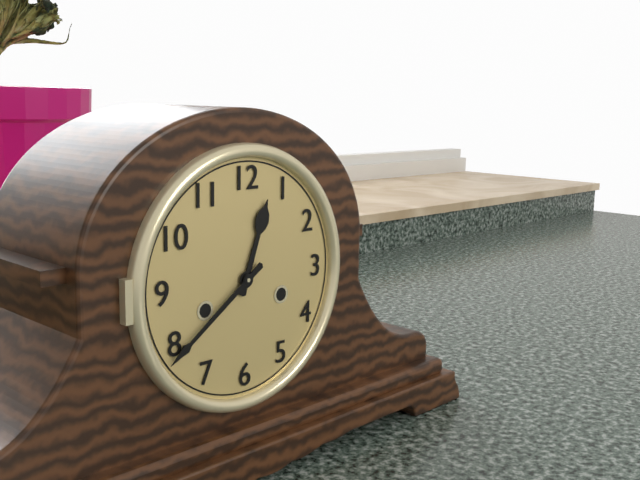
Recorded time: 12:39
